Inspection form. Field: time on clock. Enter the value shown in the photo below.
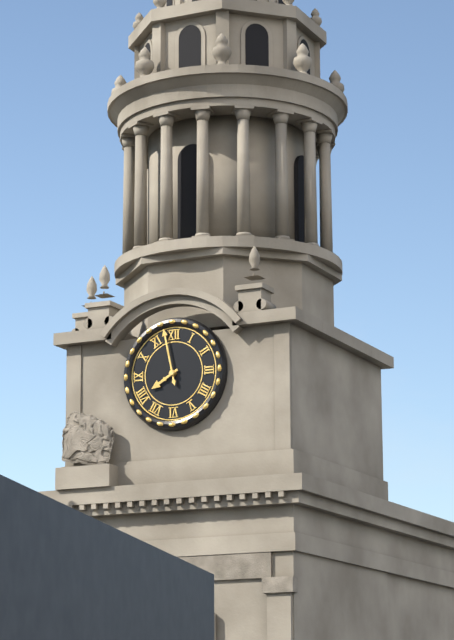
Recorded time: 7:58
